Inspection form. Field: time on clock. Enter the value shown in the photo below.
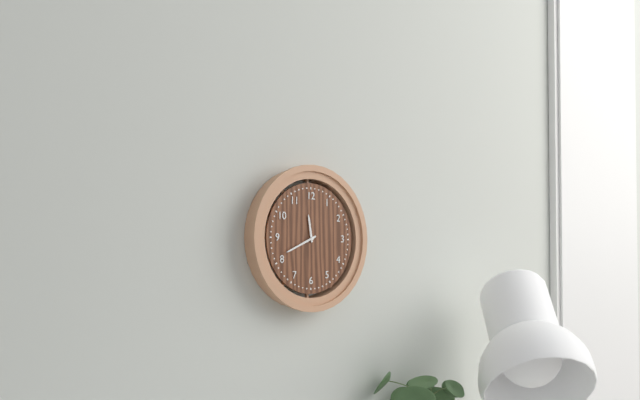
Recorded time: 11:41
